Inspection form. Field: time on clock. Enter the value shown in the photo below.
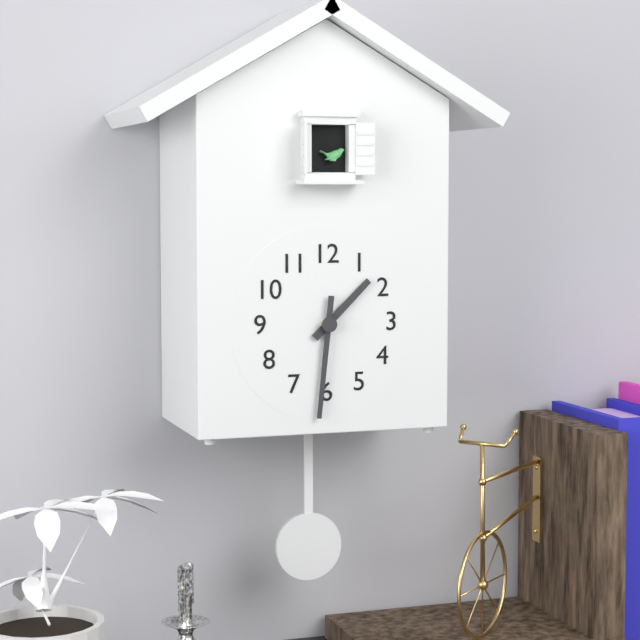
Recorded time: 1:31
